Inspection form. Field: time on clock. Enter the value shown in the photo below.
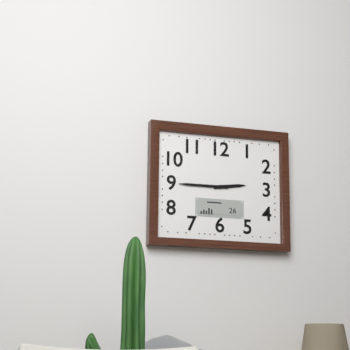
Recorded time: 2:45
